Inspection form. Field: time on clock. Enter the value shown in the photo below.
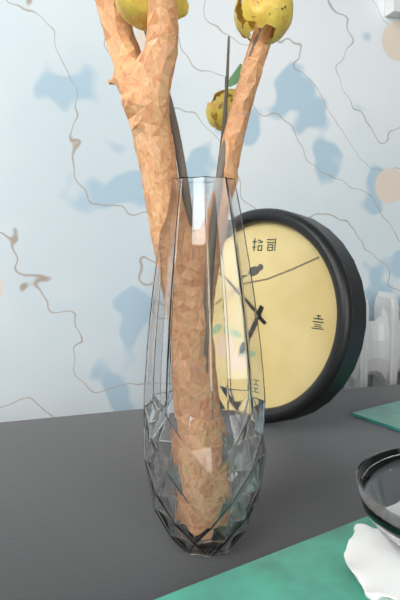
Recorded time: 6:51
